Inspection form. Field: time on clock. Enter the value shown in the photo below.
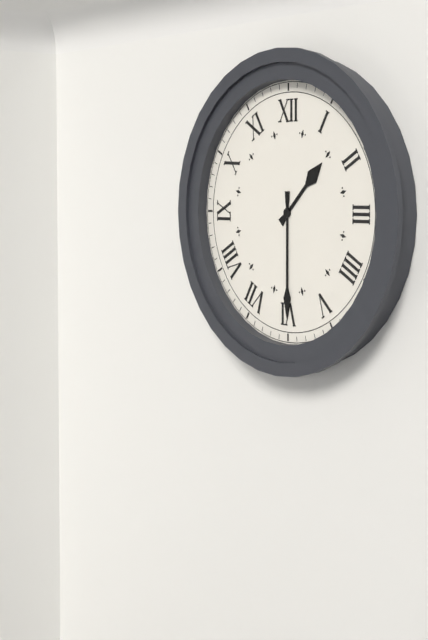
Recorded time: 1:30
